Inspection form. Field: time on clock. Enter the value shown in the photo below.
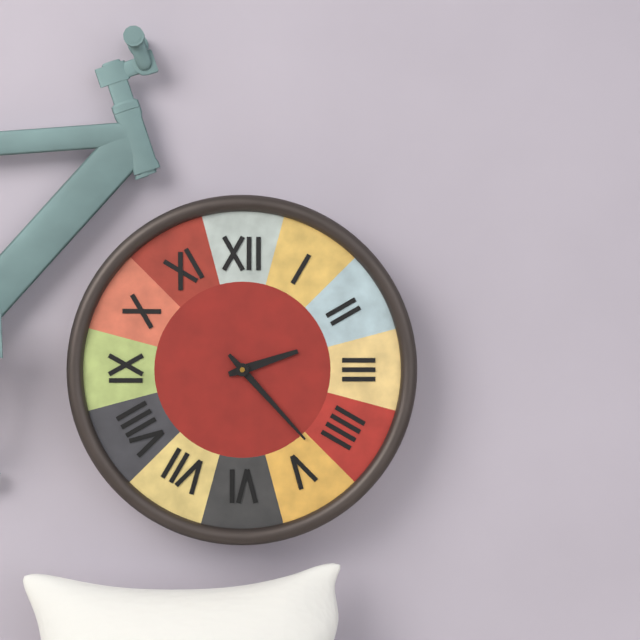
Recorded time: 2:23
